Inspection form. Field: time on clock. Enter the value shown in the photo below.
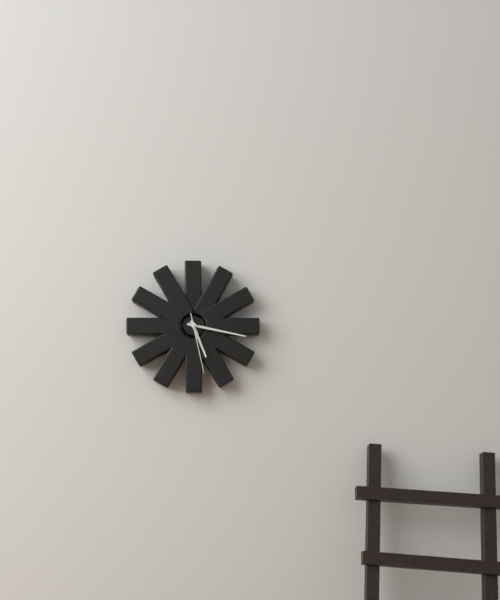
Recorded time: 5:17:28
